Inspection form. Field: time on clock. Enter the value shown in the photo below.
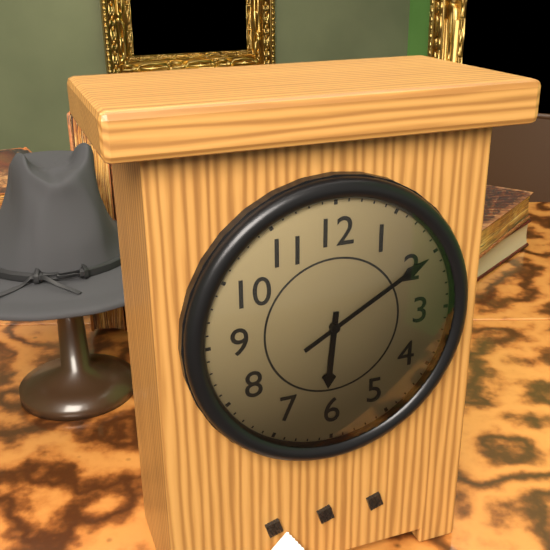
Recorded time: 6:10
